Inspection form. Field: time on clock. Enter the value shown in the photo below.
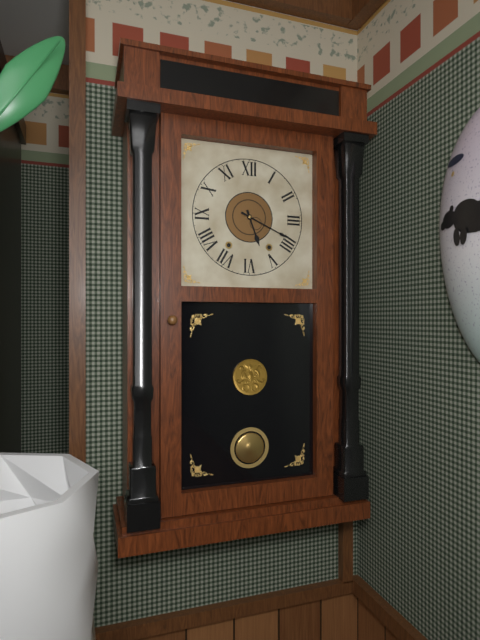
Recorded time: 5:19
